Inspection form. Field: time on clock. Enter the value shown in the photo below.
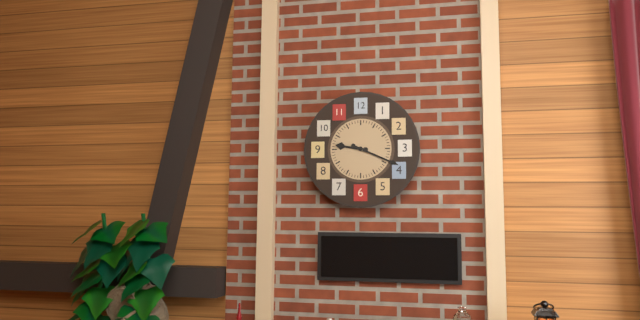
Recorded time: 9:19
